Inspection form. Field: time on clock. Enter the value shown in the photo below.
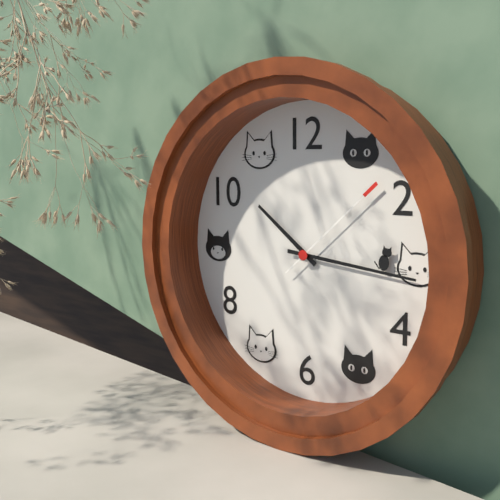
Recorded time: 10:16:08
